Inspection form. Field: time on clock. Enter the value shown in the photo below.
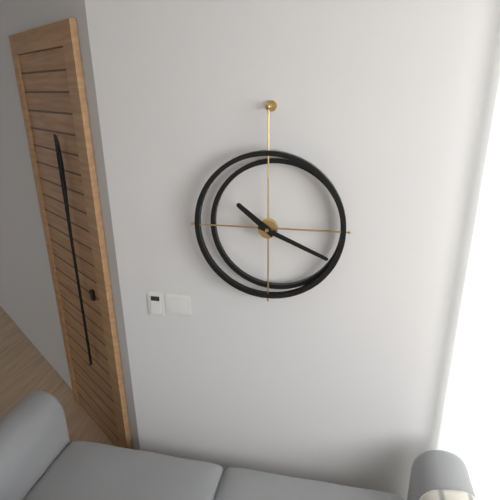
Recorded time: 10:19
